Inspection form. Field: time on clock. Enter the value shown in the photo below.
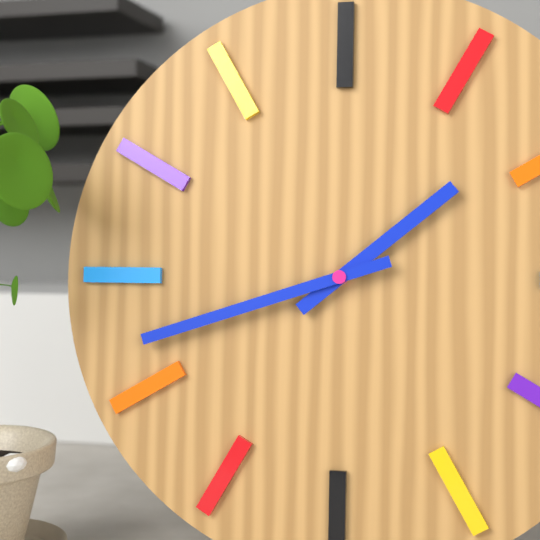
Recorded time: 1:42
